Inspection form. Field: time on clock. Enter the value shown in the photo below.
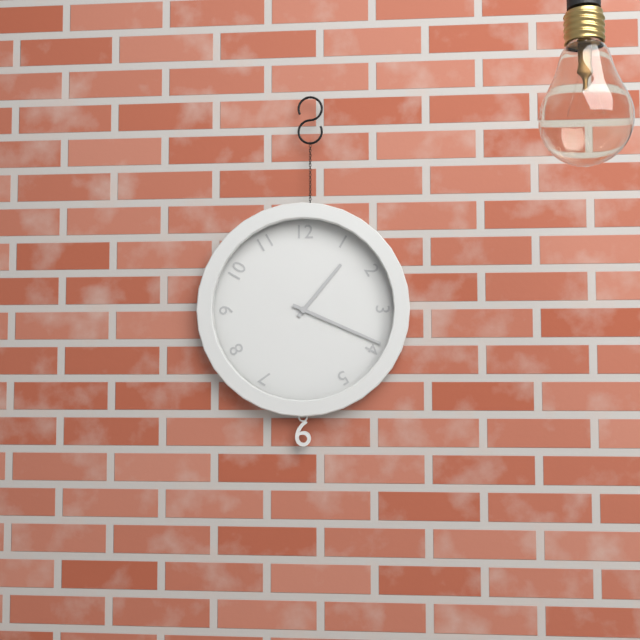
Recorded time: 1:19
